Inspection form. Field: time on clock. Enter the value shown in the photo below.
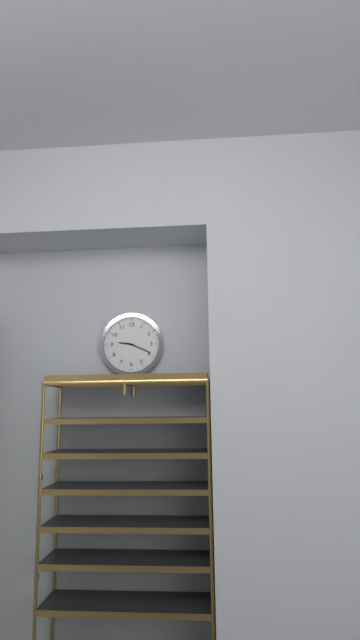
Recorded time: 9:19
